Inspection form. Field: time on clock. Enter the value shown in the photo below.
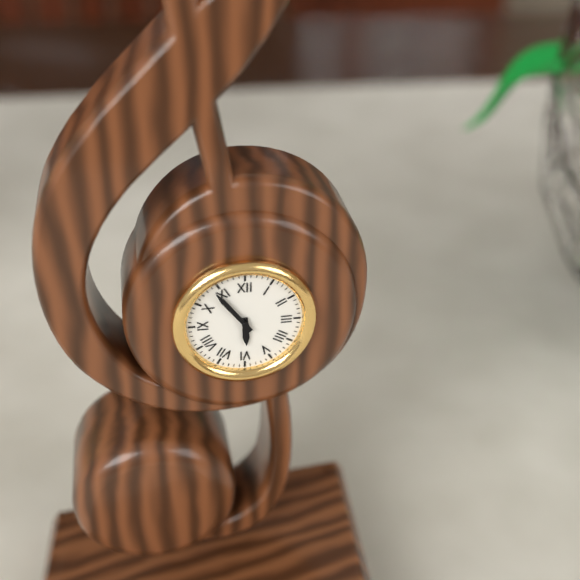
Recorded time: 5:54
